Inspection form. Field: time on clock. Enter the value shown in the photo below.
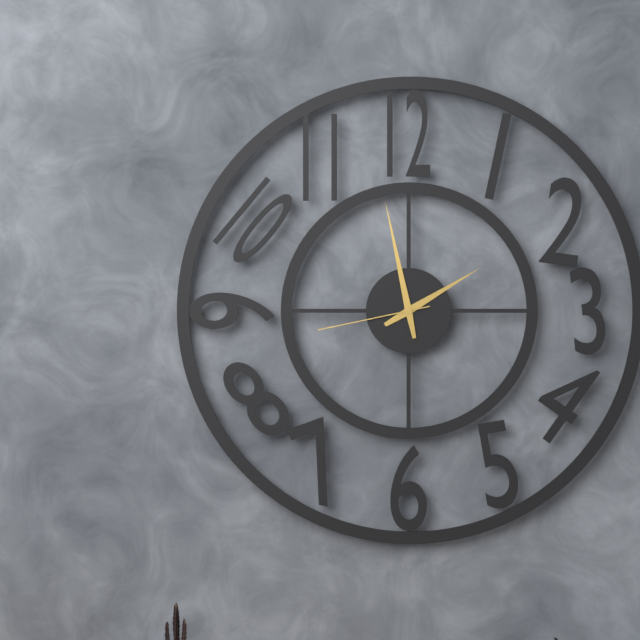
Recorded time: 1:58:43
